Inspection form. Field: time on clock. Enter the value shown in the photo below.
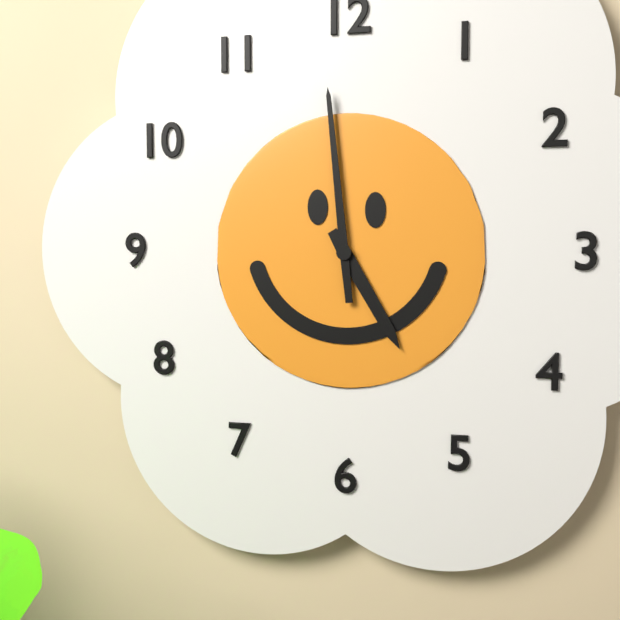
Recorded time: 4:59
